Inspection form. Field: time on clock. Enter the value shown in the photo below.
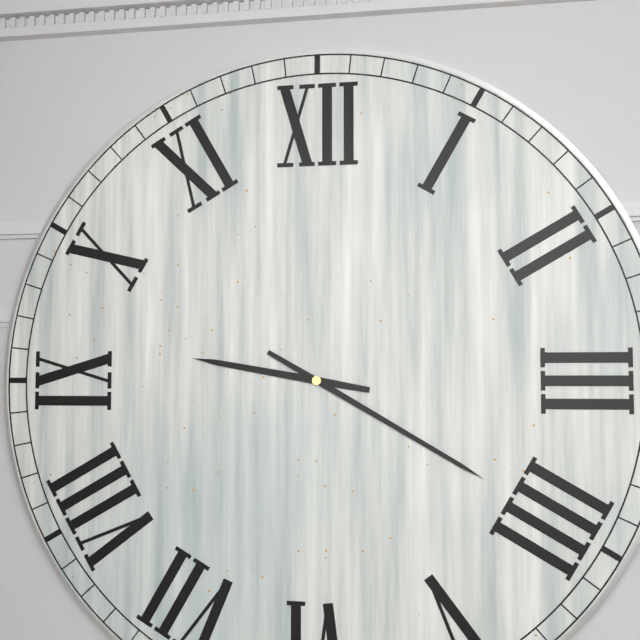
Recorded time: 9:20
